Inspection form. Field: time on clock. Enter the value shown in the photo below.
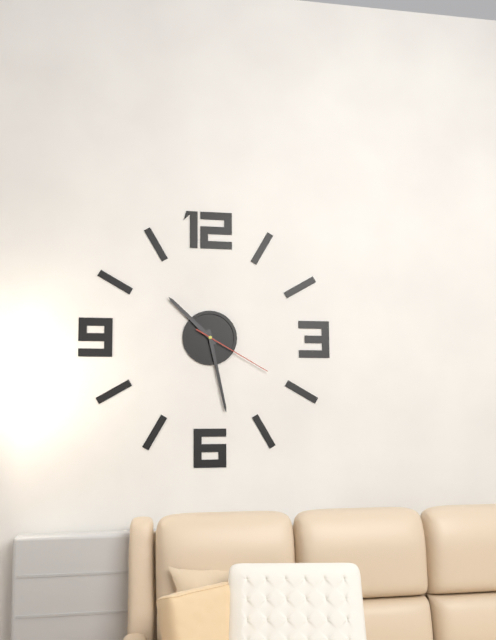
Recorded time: 10:28:20
